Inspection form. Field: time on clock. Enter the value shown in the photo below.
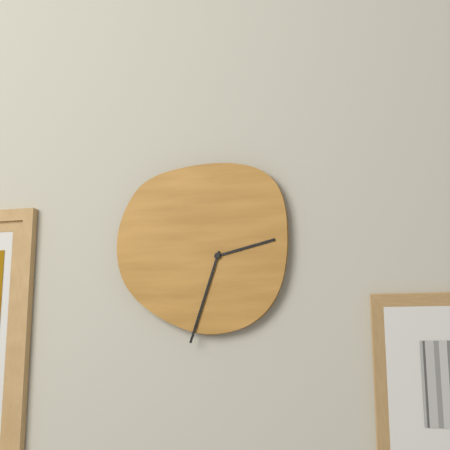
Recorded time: 2:33
